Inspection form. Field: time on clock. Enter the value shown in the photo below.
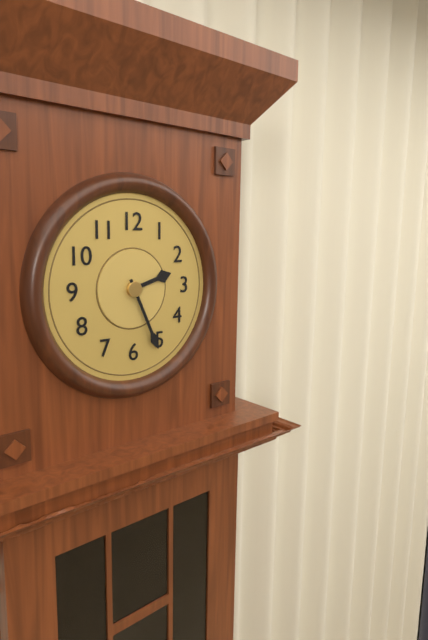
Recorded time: 2:26
